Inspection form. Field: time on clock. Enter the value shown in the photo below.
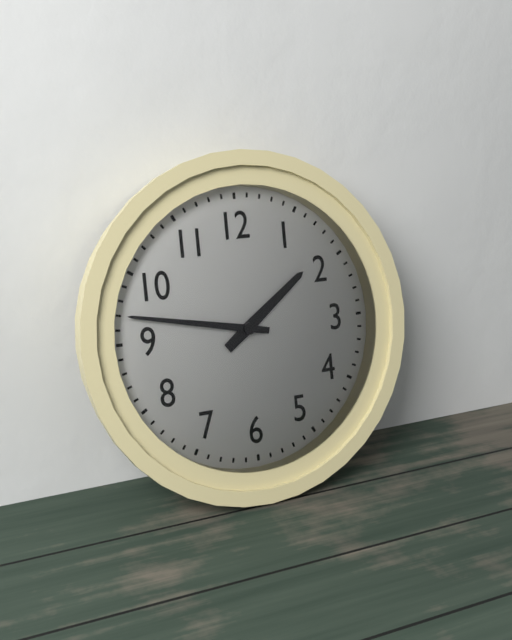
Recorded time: 1:47
